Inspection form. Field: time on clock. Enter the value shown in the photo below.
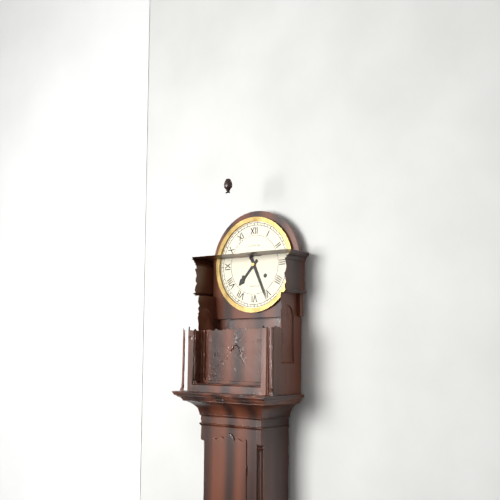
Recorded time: 7:26
